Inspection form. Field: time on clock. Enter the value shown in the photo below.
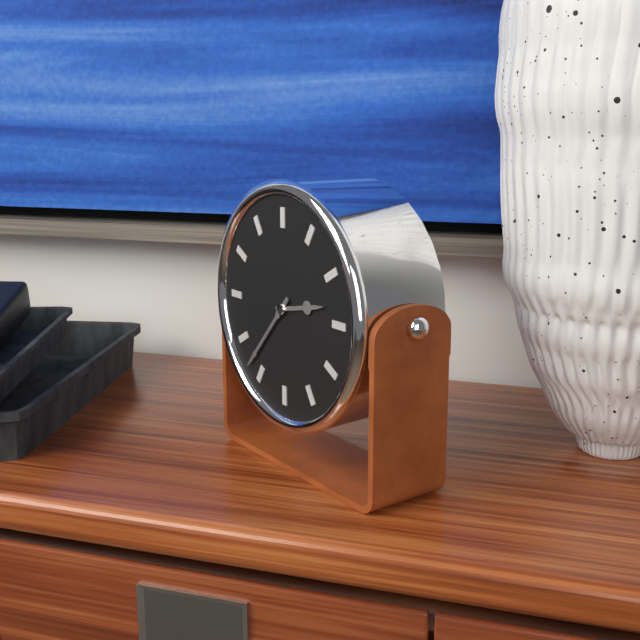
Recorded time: 2:37
